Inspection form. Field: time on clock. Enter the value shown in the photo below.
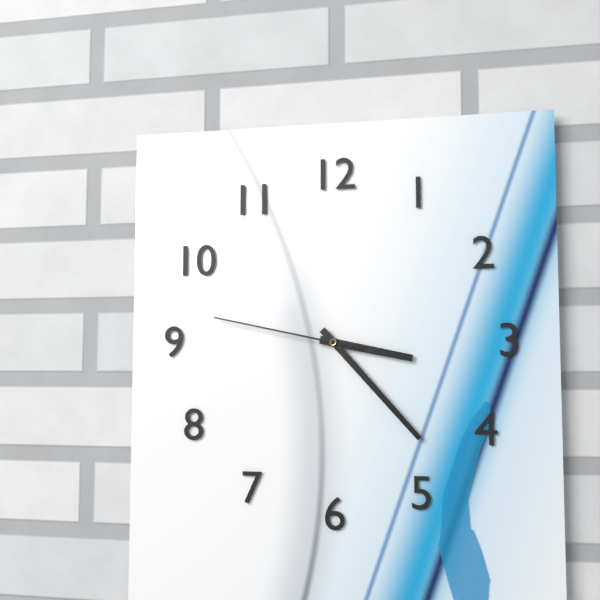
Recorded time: 3:23:47
